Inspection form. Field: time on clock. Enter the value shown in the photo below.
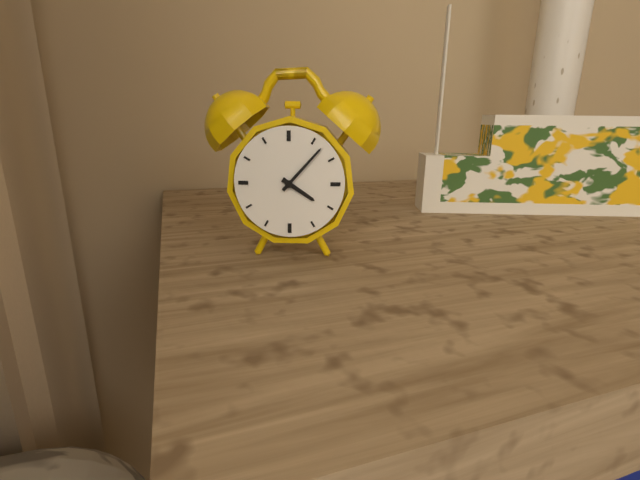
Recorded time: 4:07
